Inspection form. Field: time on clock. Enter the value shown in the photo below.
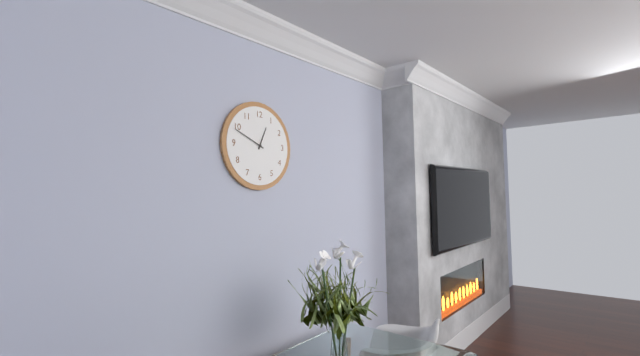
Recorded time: 12:49
